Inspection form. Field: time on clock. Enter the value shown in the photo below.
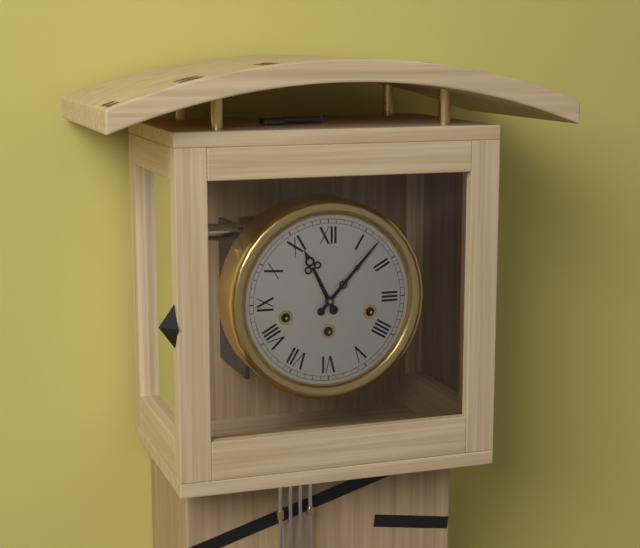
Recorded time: 11:07
